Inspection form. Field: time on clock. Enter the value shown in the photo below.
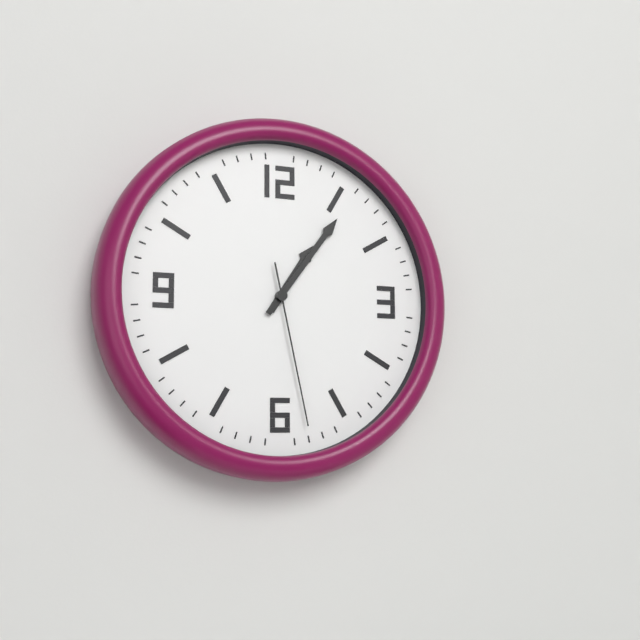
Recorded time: 1:06:28
